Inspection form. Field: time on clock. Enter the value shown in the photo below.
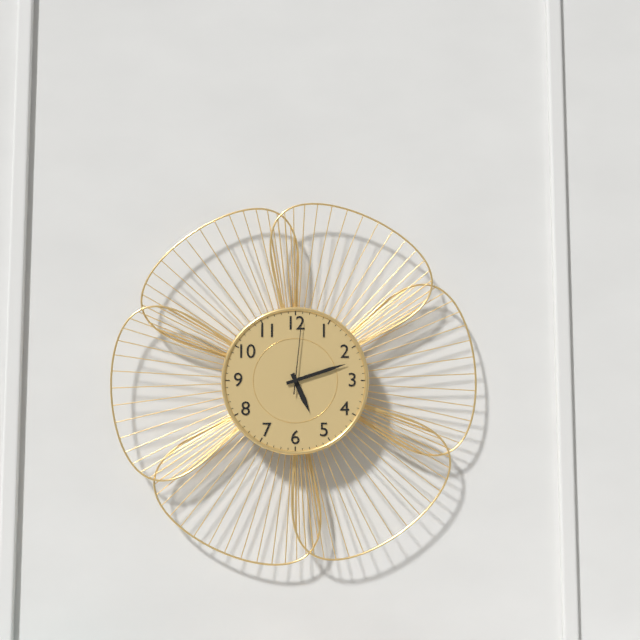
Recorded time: 5:12:01
